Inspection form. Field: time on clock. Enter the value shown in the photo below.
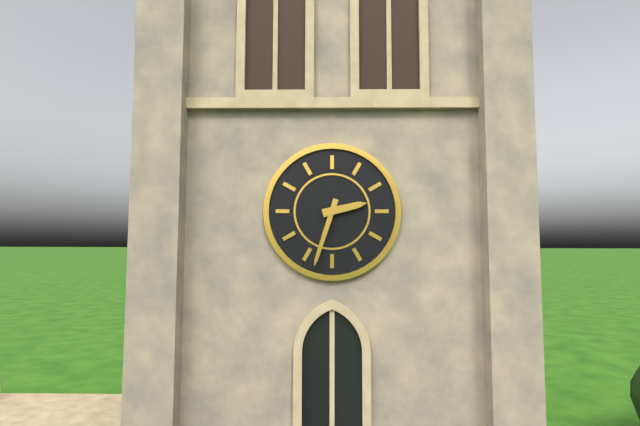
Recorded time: 2:33
